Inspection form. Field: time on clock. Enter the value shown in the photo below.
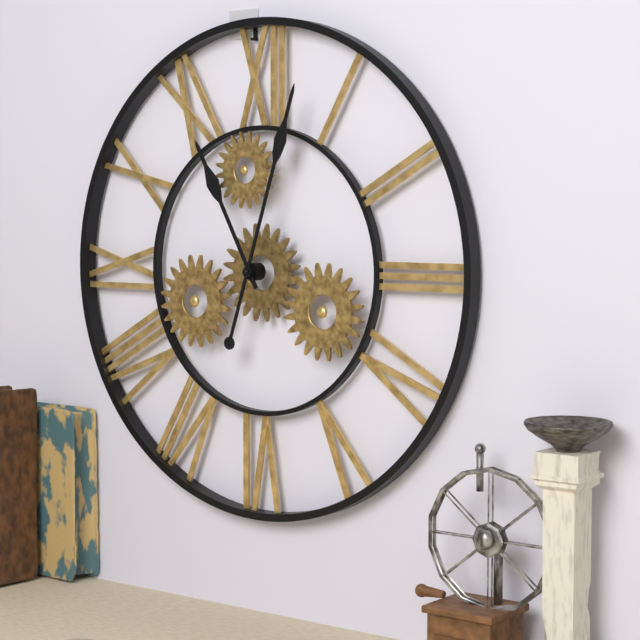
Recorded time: 11:03
